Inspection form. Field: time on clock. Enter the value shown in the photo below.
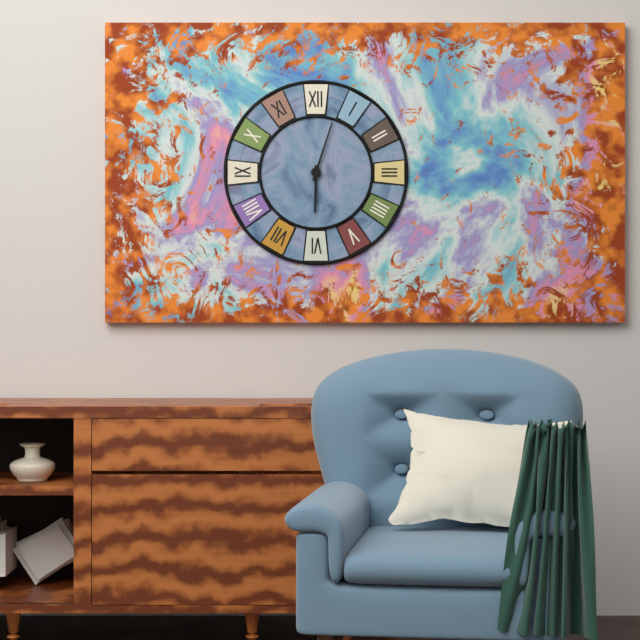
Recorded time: 6:03
